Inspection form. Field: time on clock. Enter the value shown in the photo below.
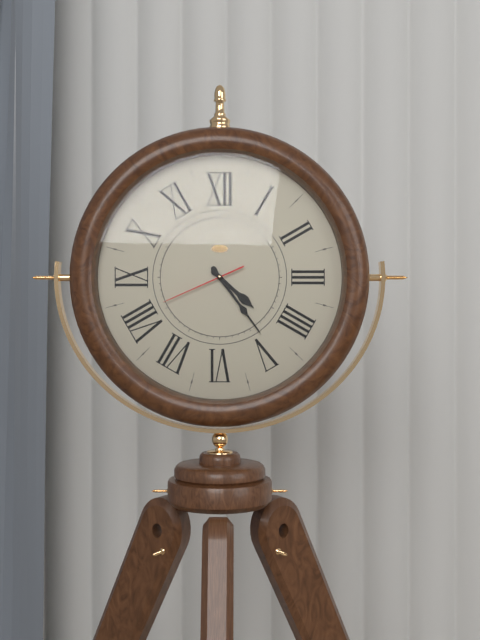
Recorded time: 4:24:41
